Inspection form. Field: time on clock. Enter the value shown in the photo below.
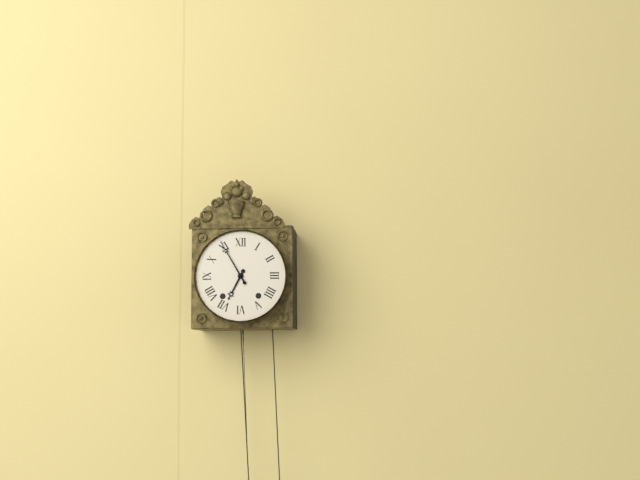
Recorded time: 6:55
